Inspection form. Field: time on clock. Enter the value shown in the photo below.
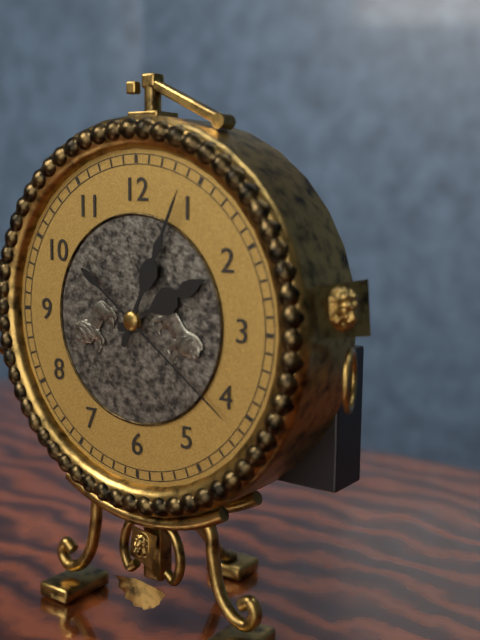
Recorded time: 2:04:21
